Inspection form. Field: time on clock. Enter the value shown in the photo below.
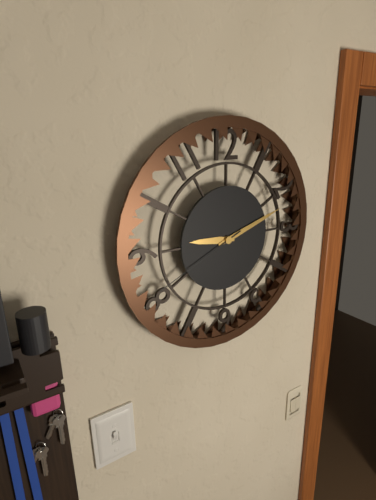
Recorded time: 9:12:41
